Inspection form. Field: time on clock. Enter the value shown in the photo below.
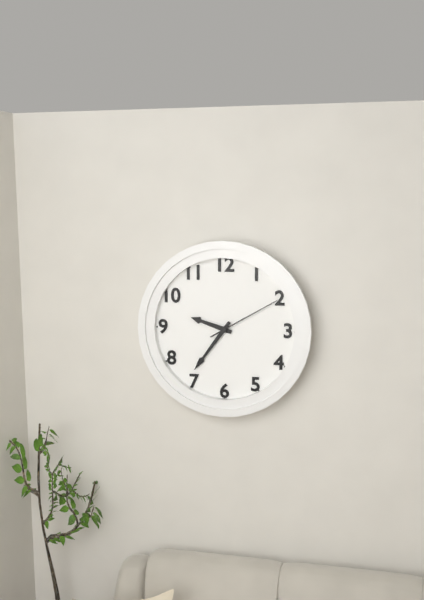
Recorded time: 9:36:10
